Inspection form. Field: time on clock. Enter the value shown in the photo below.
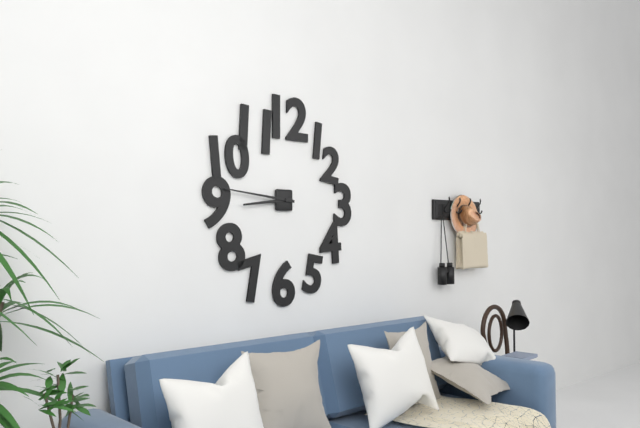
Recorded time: 8:46
